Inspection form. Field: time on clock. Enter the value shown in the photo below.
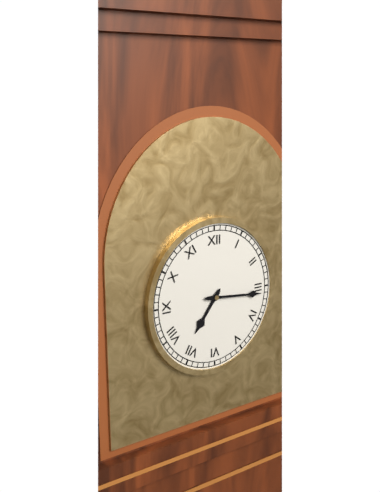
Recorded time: 7:16
